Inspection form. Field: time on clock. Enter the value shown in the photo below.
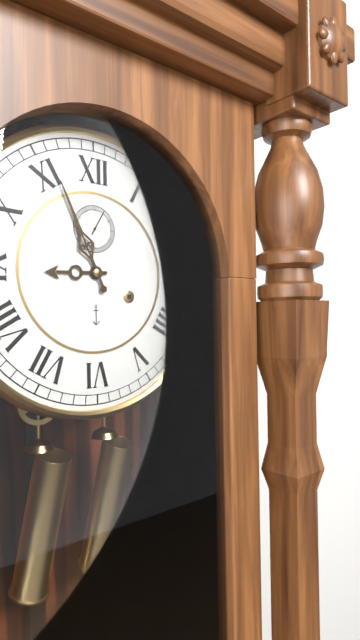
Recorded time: 8:56
